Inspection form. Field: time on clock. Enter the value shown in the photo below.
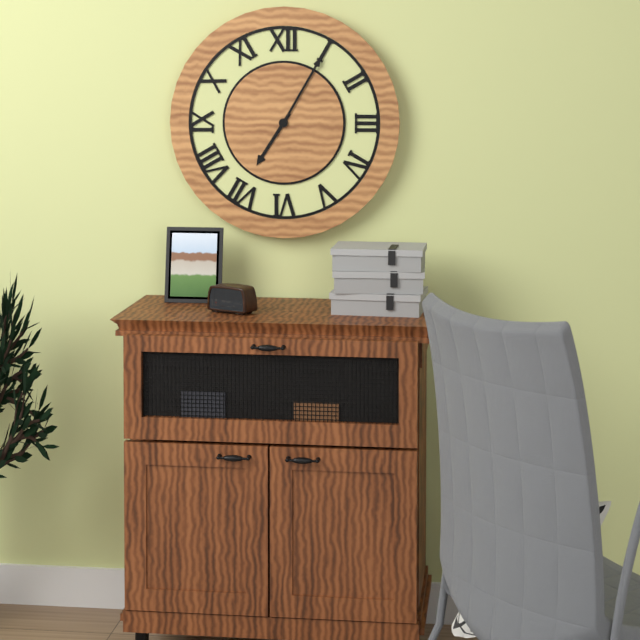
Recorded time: 7:05
